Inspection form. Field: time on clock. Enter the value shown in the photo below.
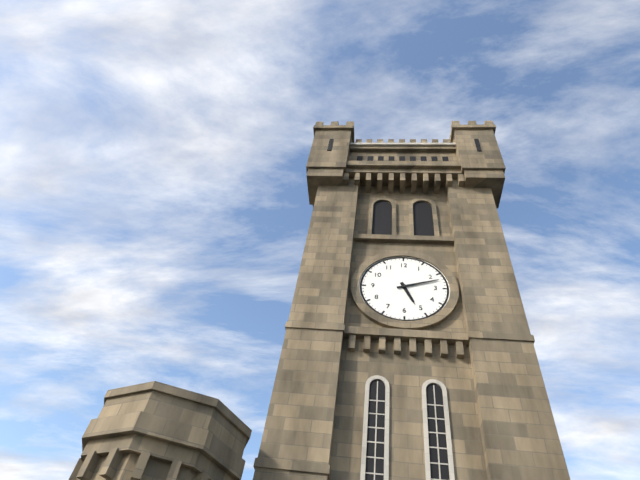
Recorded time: 5:12
